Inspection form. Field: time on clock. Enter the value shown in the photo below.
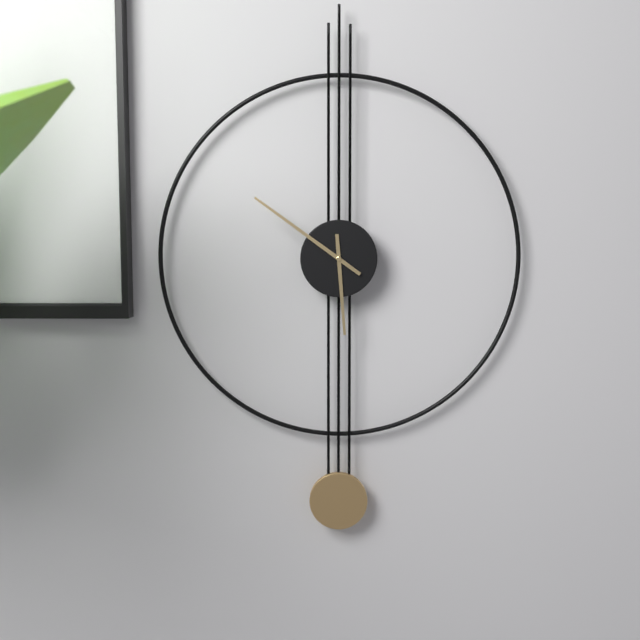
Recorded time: 5:51
